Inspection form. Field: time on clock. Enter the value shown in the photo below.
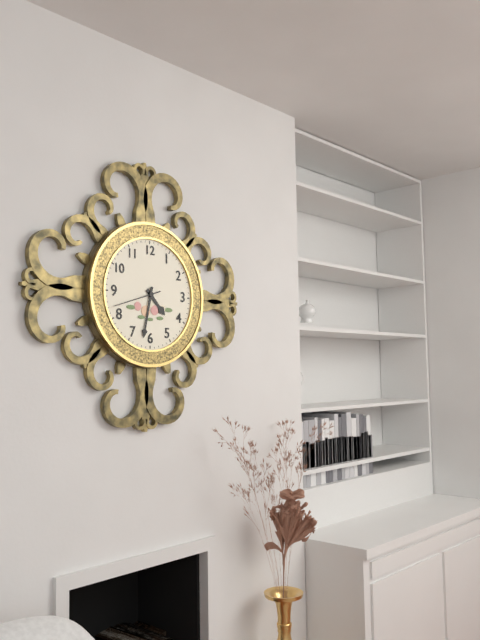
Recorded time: 4:32:42
